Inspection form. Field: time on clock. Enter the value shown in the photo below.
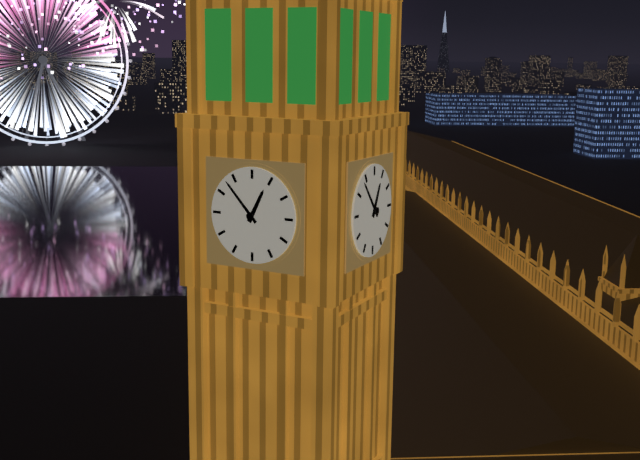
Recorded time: 12:53
